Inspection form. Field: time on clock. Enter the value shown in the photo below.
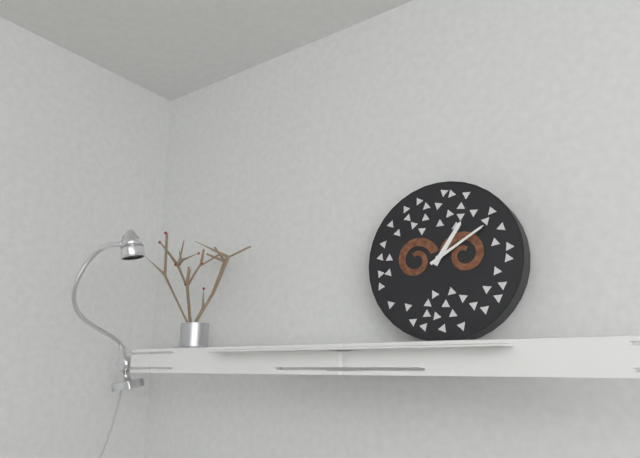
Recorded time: 1:10
